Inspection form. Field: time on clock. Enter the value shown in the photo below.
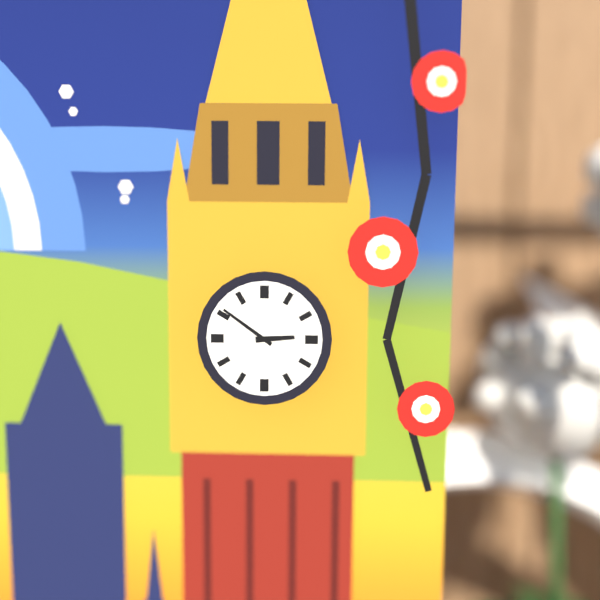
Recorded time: 2:51
